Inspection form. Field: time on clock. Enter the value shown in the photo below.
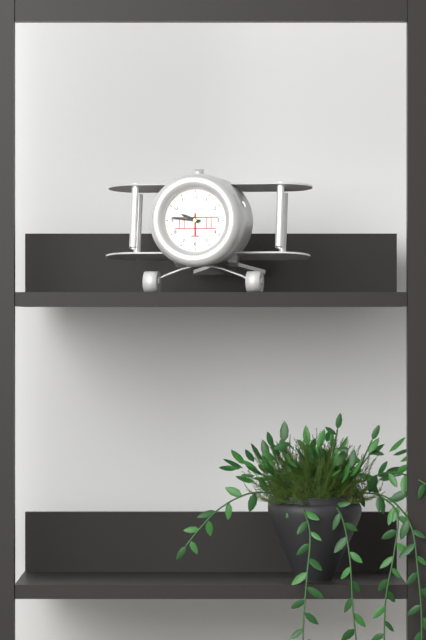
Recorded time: 9:46
